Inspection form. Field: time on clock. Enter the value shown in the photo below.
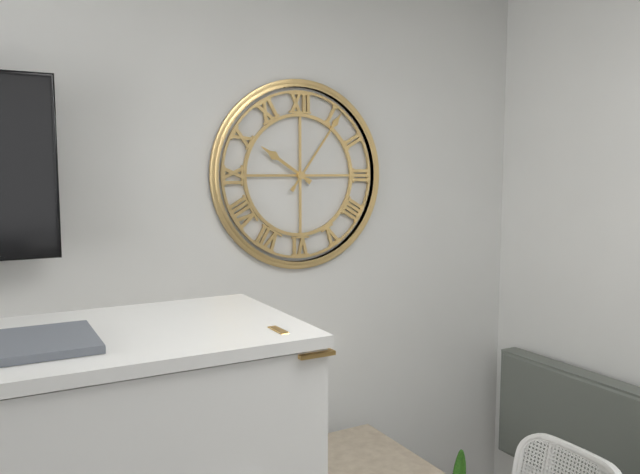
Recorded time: 10:06
